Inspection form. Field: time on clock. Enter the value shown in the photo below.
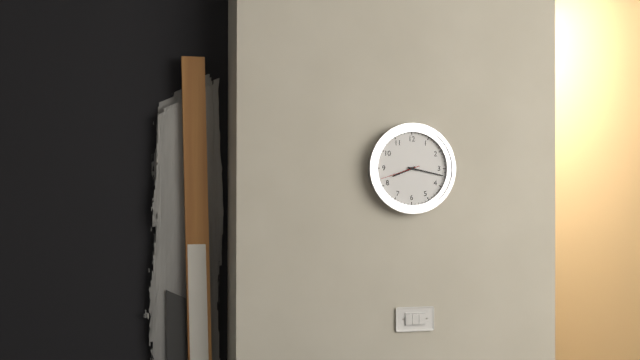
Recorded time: 8:17
